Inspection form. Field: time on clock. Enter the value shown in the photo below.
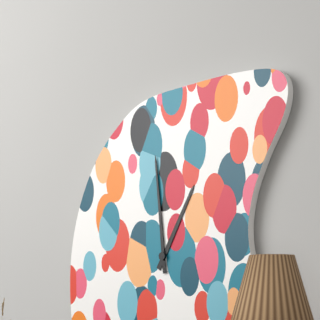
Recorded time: 12:59
